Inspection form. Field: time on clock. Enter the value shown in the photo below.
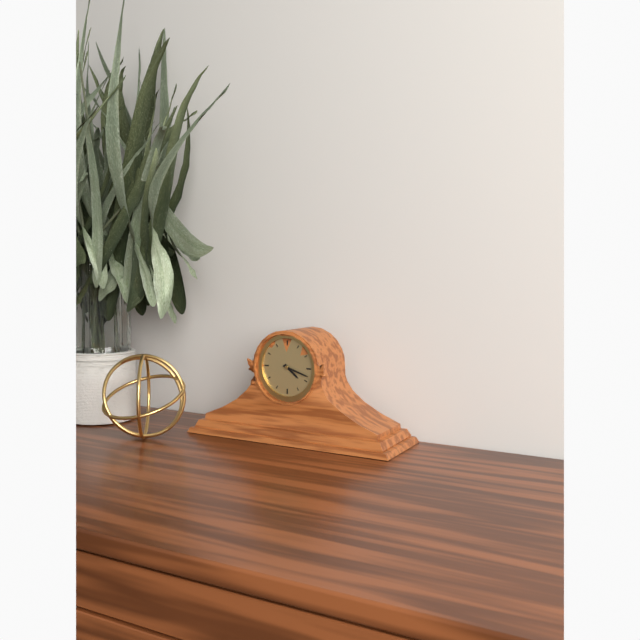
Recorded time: 4:18
